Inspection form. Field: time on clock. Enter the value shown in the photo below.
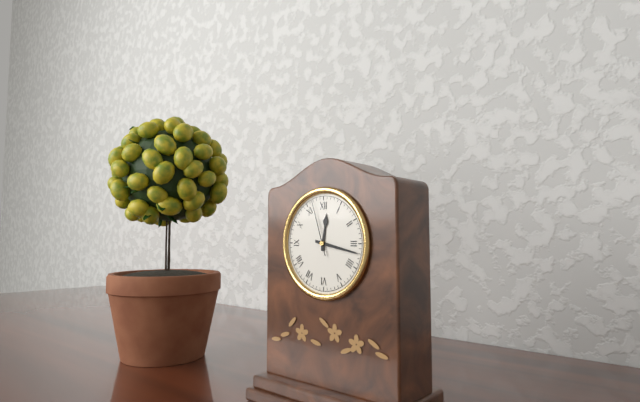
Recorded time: 12:17:57
